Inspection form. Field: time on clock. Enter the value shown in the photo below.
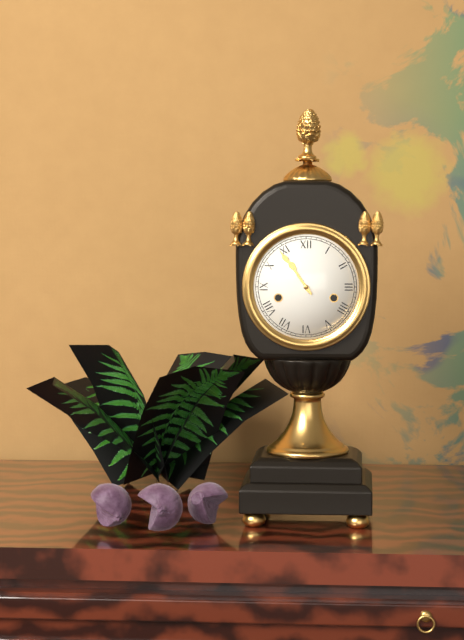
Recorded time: 10:54
